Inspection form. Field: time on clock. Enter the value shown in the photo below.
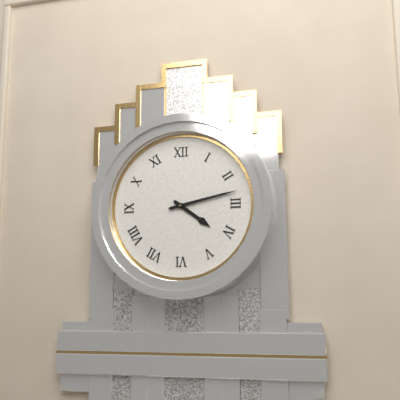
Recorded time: 4:13
